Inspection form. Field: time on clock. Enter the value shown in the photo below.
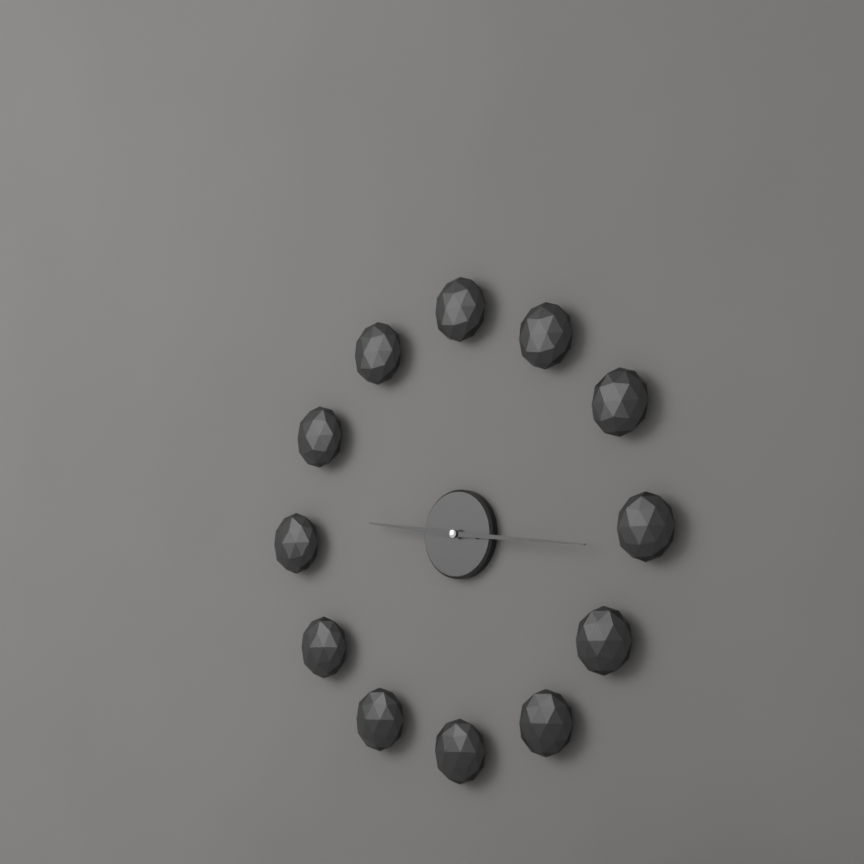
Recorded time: 9:16
